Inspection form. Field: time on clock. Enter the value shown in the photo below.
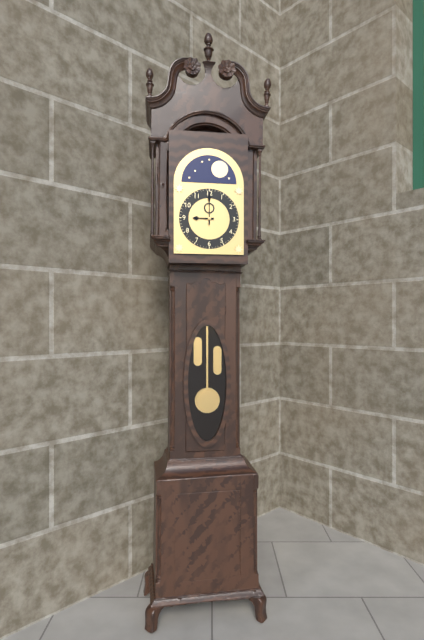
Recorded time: 9:00
